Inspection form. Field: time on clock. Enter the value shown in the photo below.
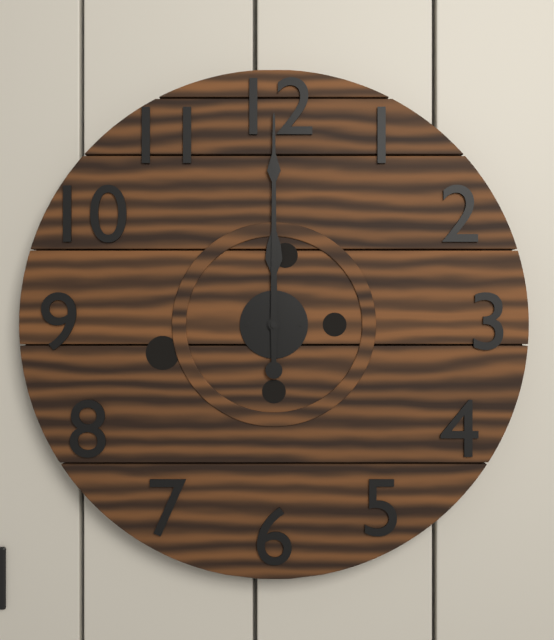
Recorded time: 12:00
